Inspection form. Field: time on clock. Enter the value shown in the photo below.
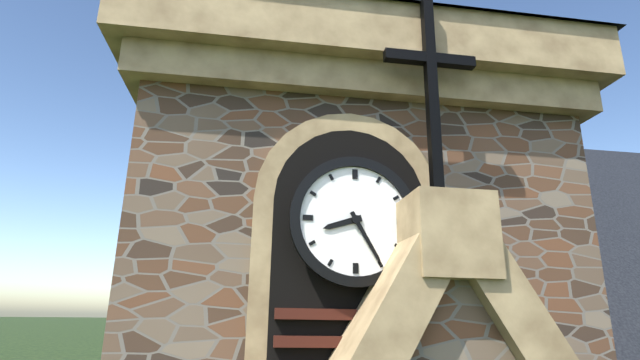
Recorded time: 8:25
